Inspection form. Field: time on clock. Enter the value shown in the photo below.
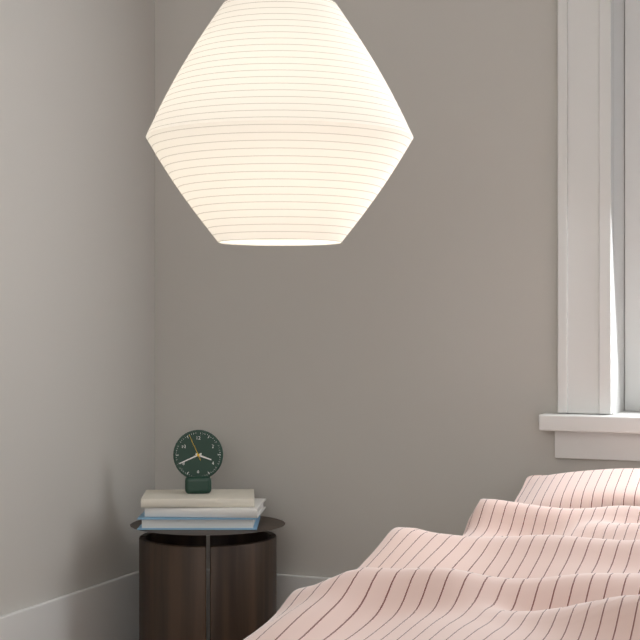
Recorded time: 3:41
